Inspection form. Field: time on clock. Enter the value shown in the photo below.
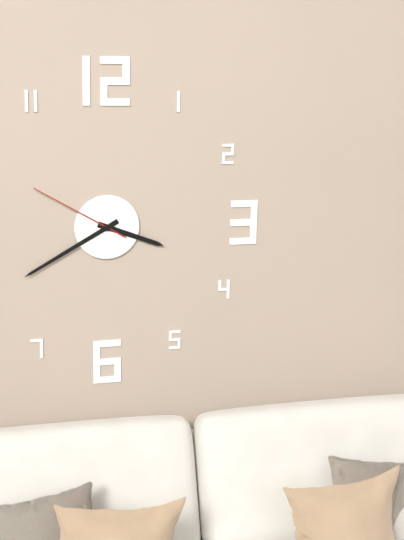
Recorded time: 3:40:50
